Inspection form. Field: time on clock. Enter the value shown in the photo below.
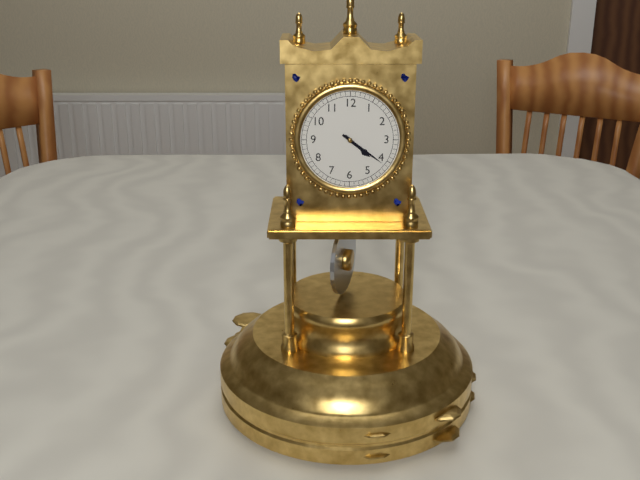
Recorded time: 4:21
